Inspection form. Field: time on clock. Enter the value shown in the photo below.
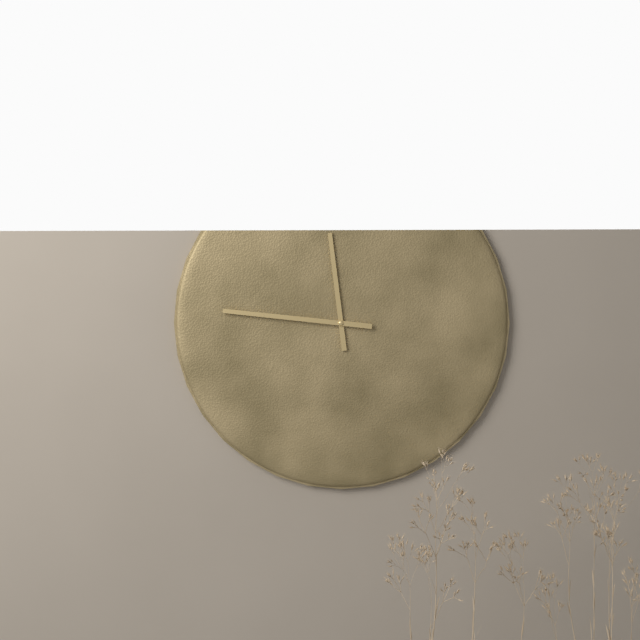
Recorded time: 11:46
